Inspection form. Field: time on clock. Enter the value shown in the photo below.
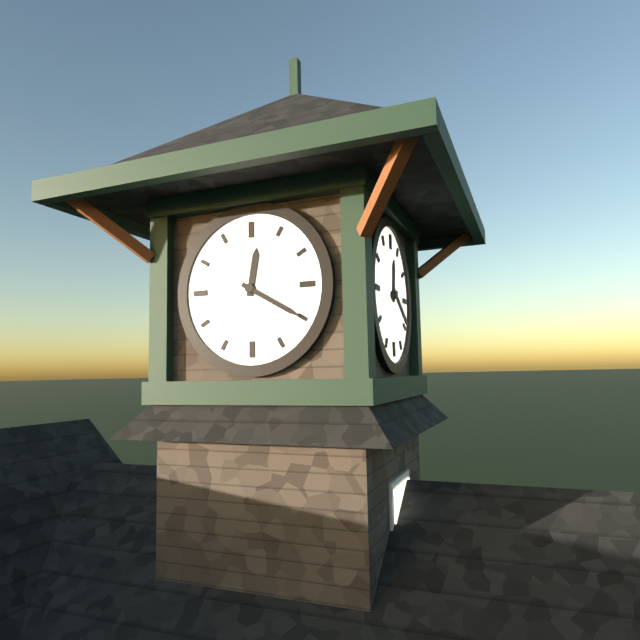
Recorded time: 12:20
